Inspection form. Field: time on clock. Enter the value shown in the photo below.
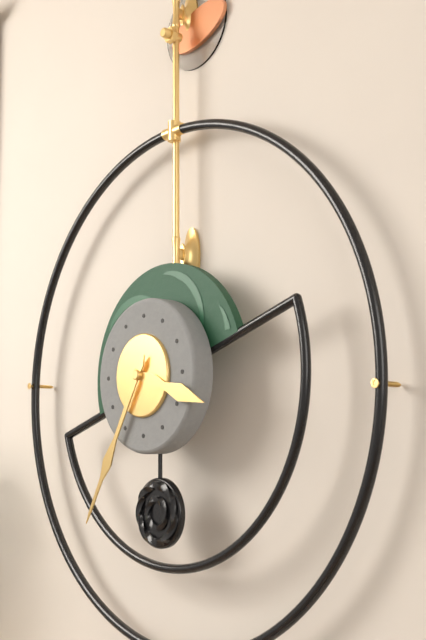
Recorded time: 3:35
